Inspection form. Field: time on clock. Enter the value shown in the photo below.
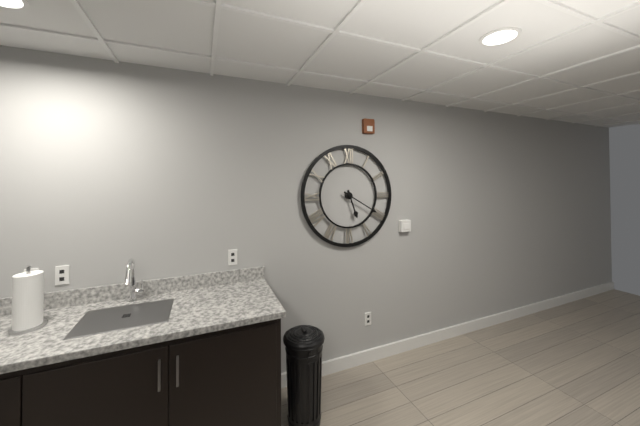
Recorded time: 5:20
